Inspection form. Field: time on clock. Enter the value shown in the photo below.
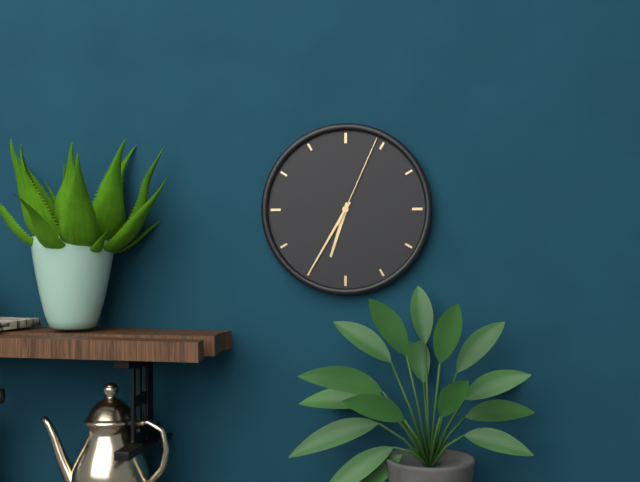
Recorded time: 6:35:04
